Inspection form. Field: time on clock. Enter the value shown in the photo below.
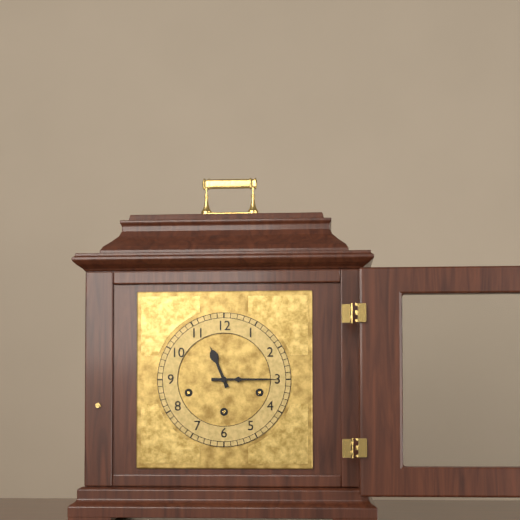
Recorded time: 11:15
